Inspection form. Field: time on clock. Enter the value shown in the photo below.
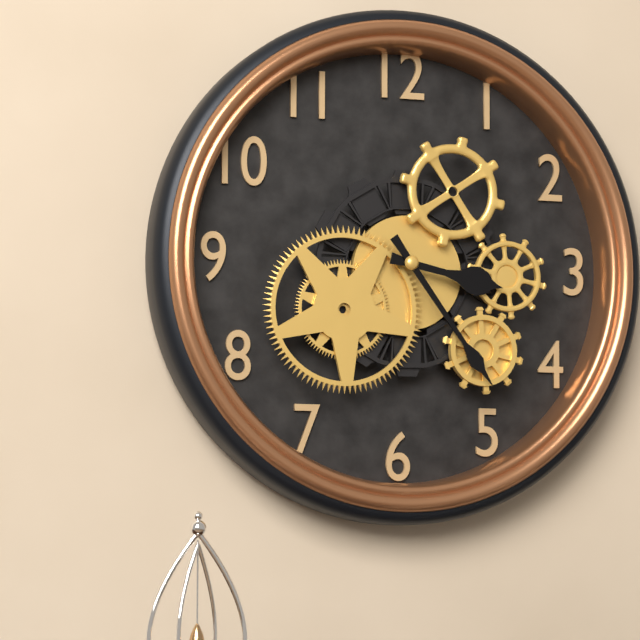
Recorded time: 3:24
